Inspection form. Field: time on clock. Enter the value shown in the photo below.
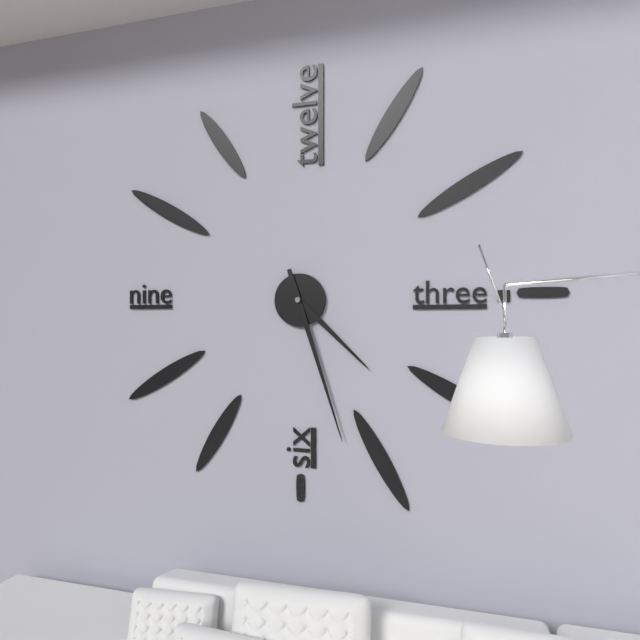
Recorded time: 4:27
